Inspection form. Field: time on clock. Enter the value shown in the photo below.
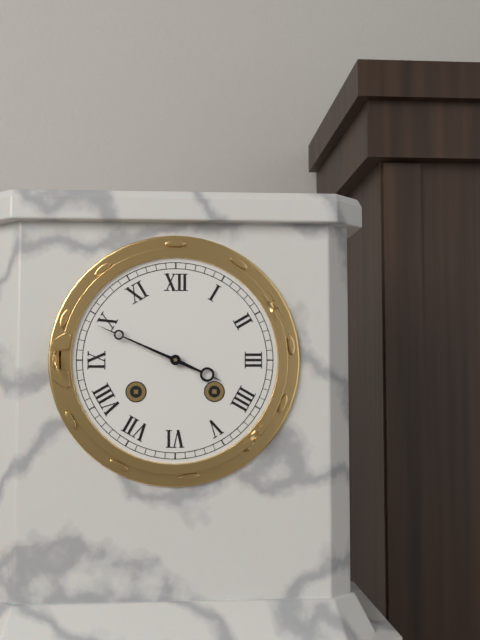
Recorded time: 3:49
